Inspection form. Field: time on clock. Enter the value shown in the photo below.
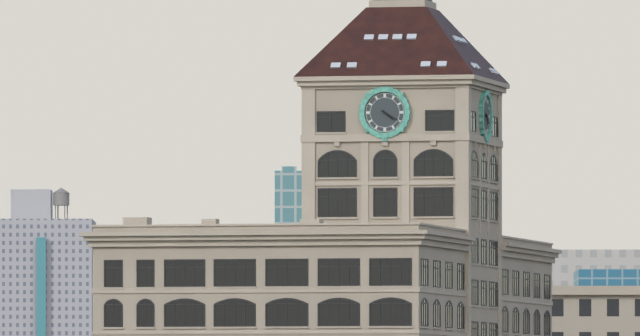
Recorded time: 4:20
